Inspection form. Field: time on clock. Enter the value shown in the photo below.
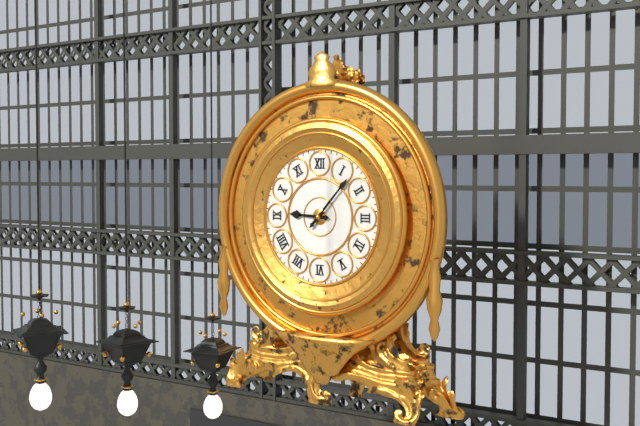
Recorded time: 9:07
